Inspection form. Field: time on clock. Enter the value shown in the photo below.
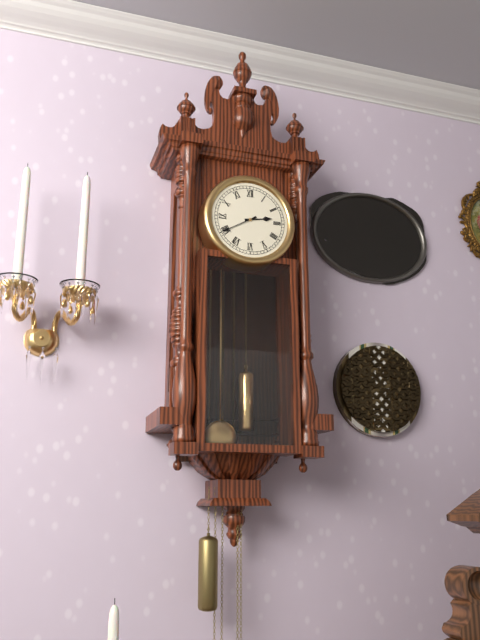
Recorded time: 2:40
